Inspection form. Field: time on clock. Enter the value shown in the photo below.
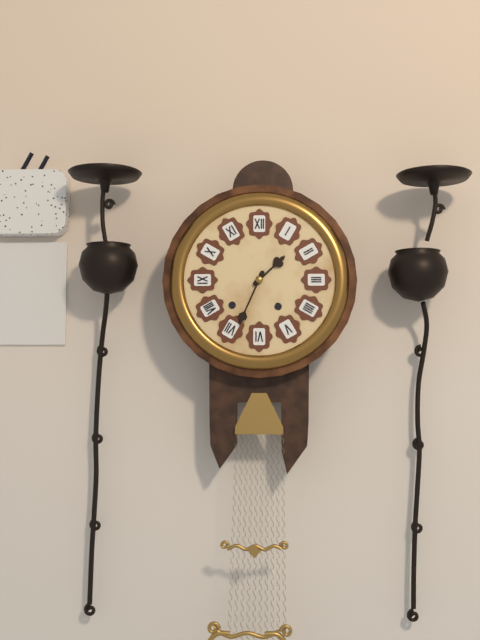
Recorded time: 1:34
